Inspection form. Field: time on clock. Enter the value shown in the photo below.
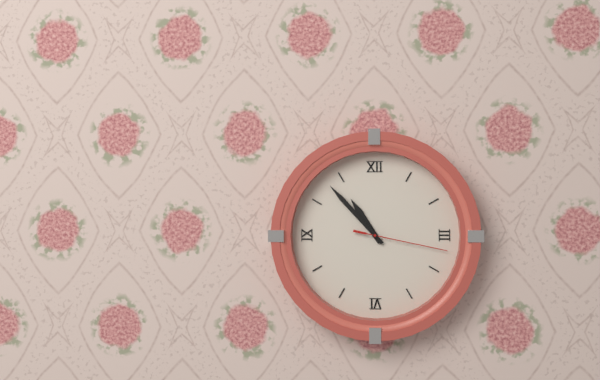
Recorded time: 10:53:17
